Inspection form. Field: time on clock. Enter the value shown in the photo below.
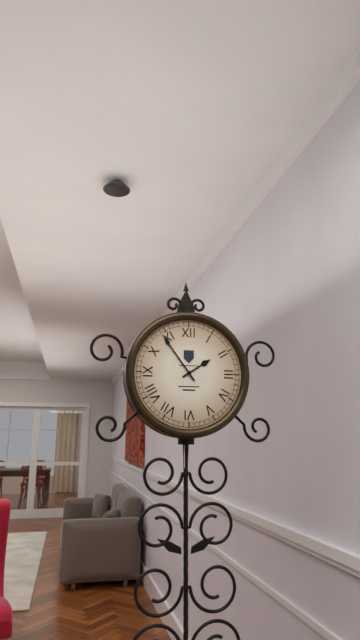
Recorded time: 1:54
